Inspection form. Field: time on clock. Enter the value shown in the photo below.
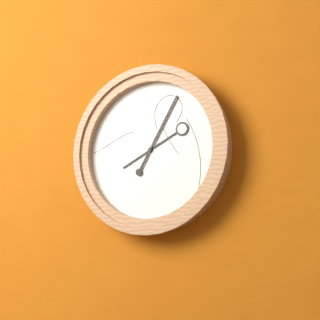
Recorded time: 8:05
